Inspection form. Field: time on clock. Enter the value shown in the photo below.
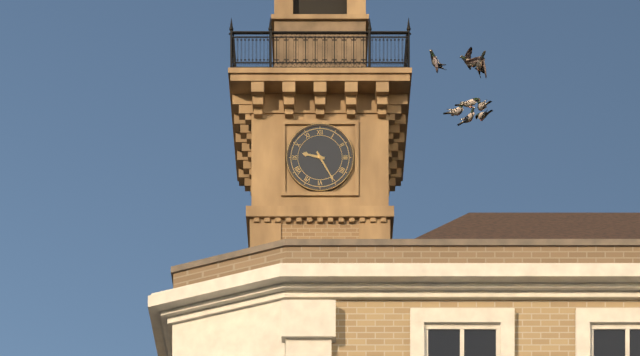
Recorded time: 9:25
